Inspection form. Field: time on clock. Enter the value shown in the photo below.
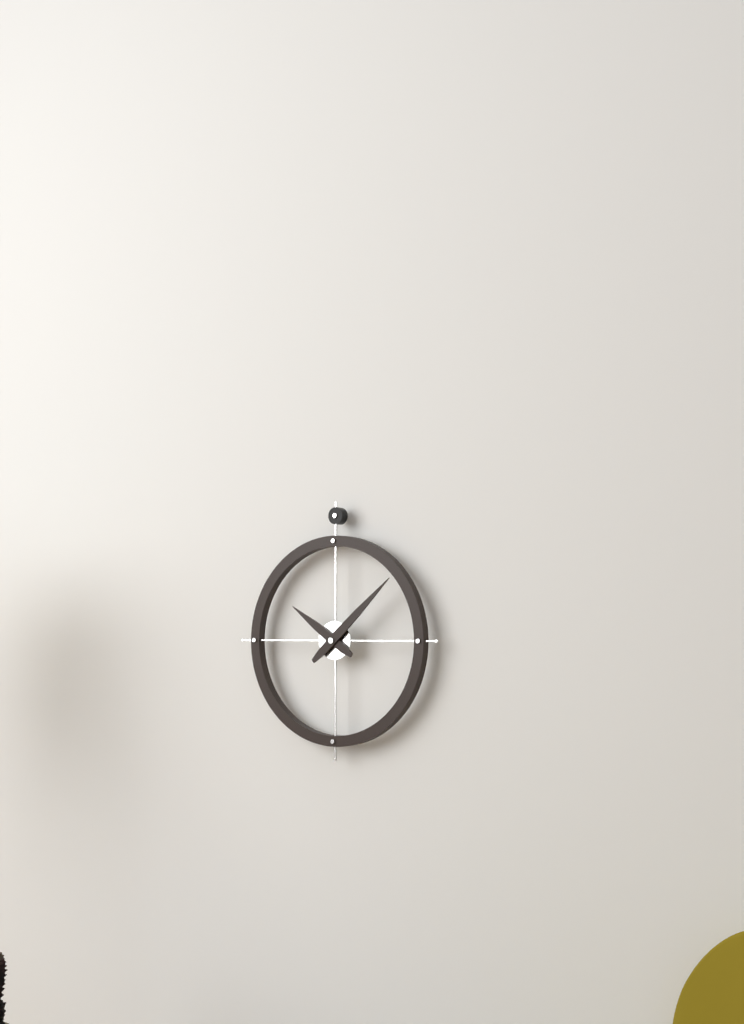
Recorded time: 10:08
